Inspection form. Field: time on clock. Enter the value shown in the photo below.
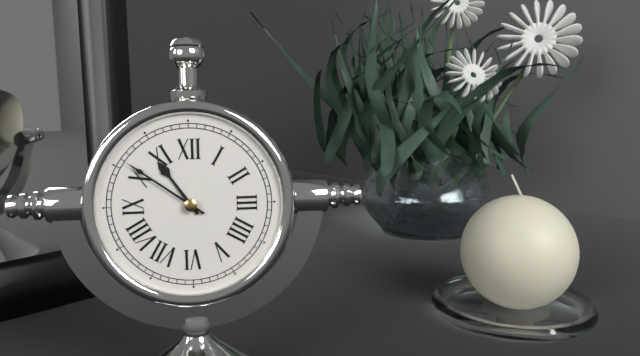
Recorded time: 10:51
